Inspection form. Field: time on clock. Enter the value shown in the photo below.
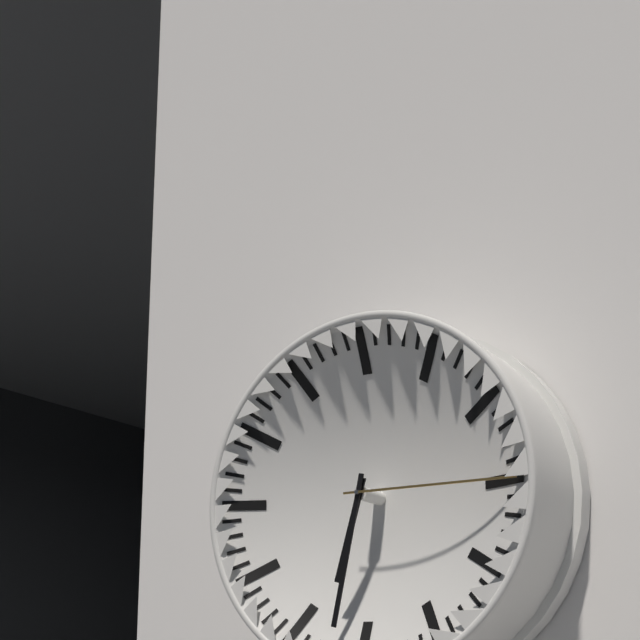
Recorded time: 6:32:15
